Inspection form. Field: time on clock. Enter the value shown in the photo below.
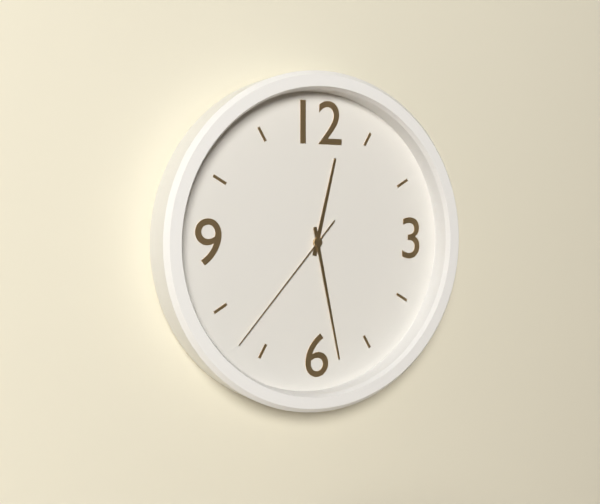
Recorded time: 12:28:37
